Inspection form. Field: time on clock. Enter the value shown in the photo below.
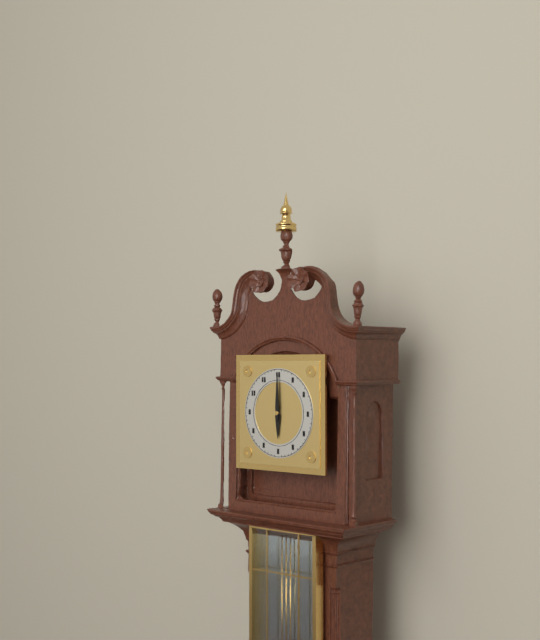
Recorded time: 6:00
